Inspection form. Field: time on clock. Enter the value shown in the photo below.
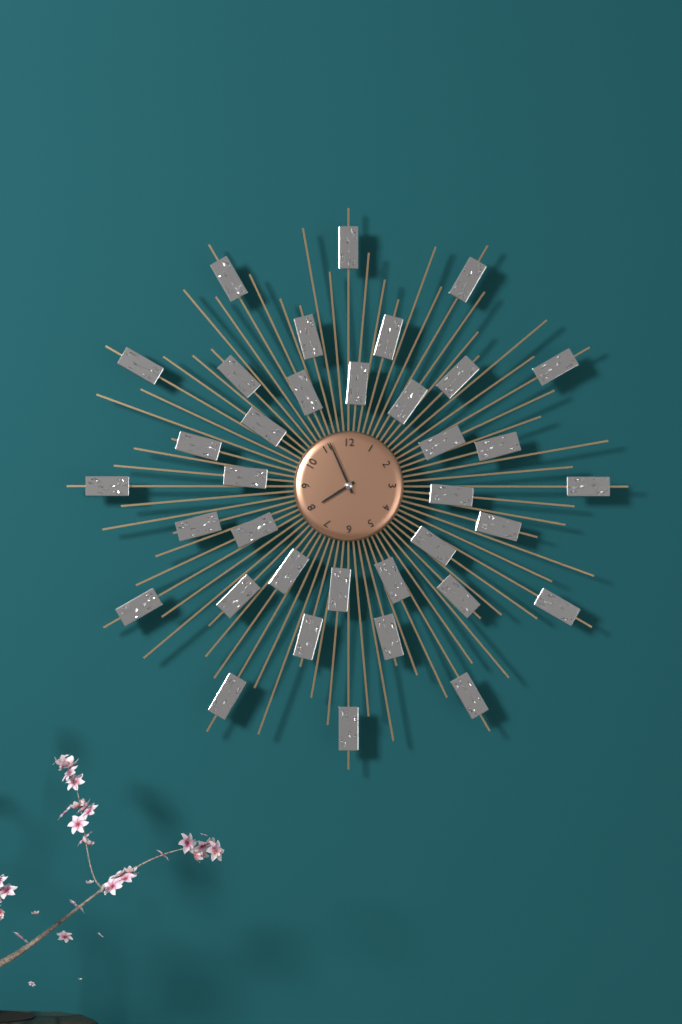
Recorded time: 7:56
